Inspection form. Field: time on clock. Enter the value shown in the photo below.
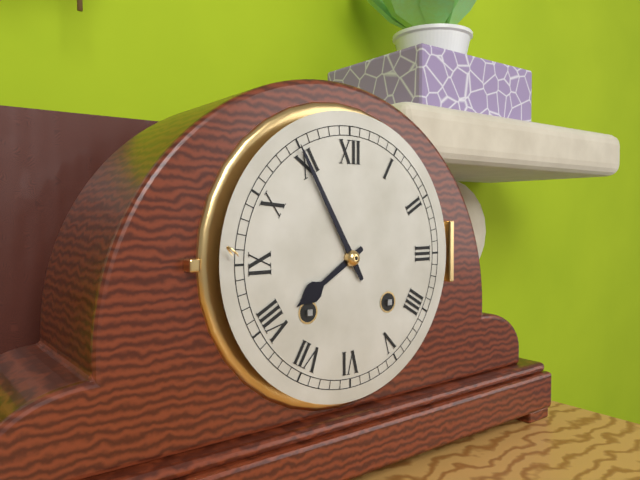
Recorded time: 7:55
